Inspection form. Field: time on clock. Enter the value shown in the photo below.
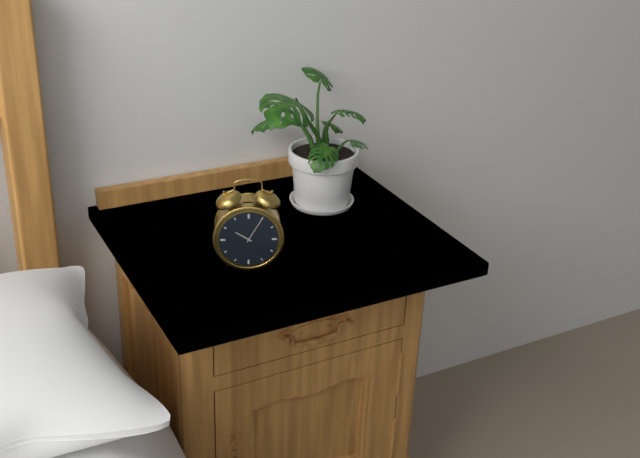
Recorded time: 10:05
